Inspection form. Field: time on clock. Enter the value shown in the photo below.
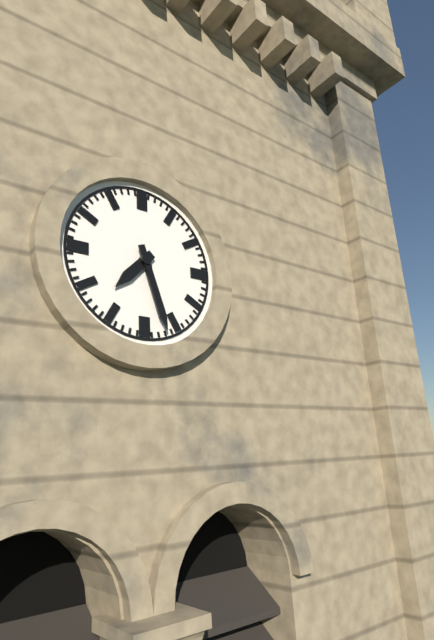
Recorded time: 7:27
